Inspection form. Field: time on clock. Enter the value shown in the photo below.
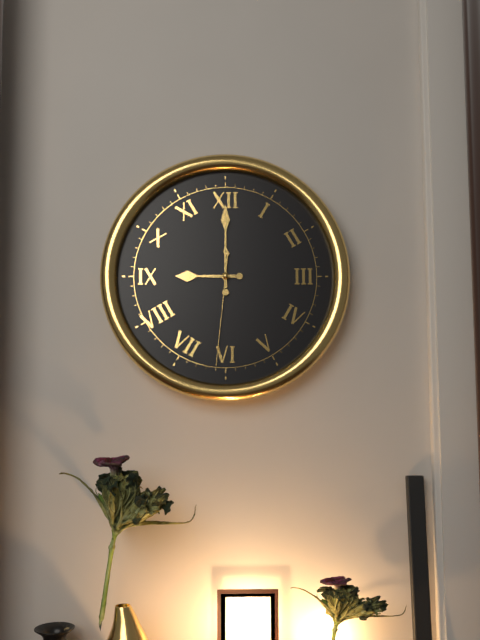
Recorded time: 9:00:31
